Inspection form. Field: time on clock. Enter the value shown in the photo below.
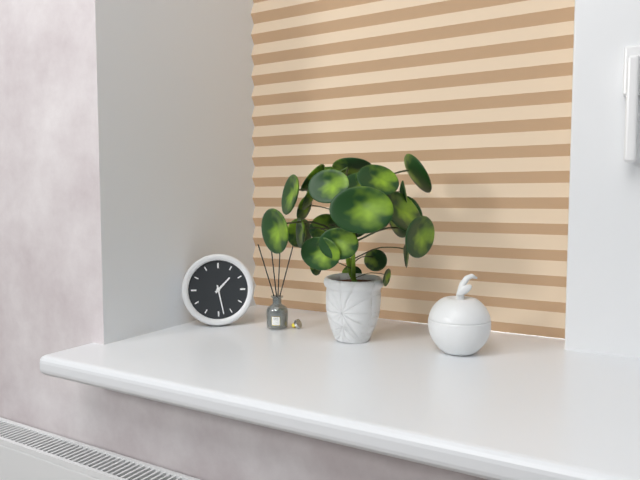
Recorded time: 1:28
